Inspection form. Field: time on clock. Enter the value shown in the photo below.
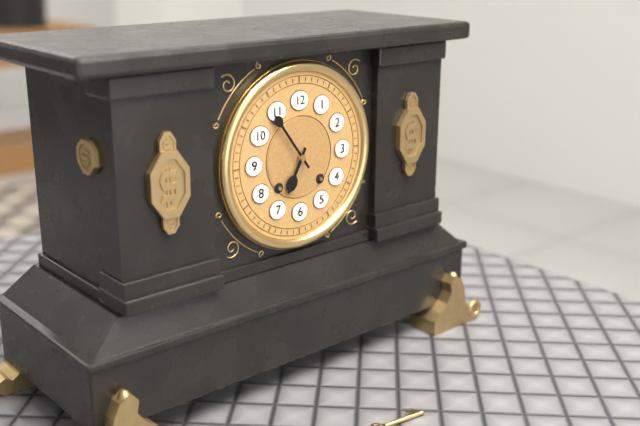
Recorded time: 6:54
